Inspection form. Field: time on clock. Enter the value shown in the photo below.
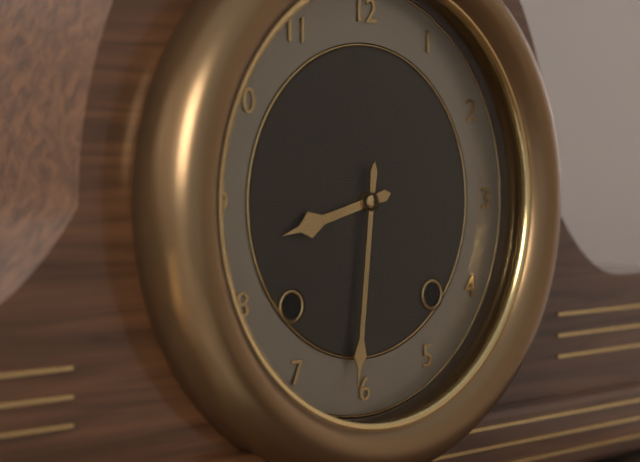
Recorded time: 8:31
